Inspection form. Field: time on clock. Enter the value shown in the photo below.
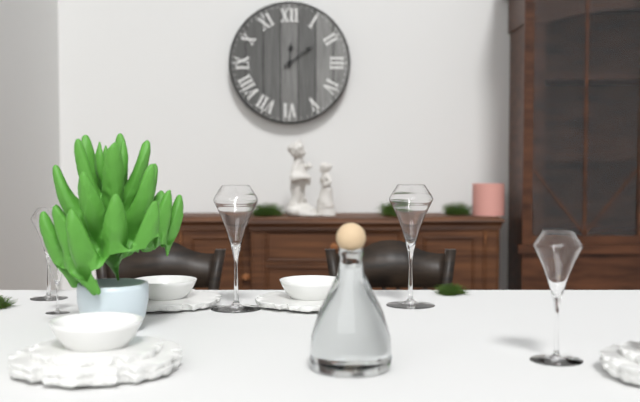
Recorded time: 12:09
